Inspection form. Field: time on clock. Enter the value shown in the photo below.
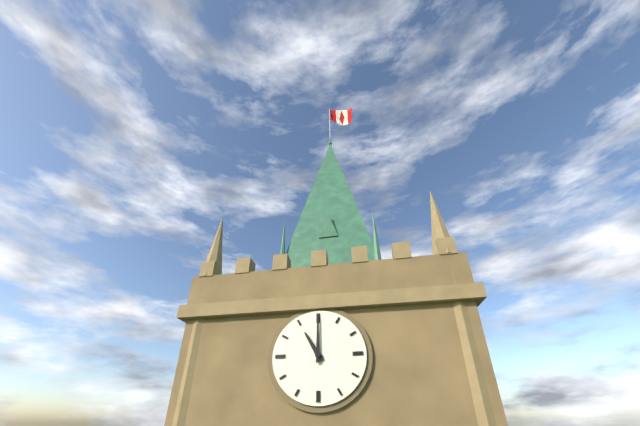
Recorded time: 11:00
